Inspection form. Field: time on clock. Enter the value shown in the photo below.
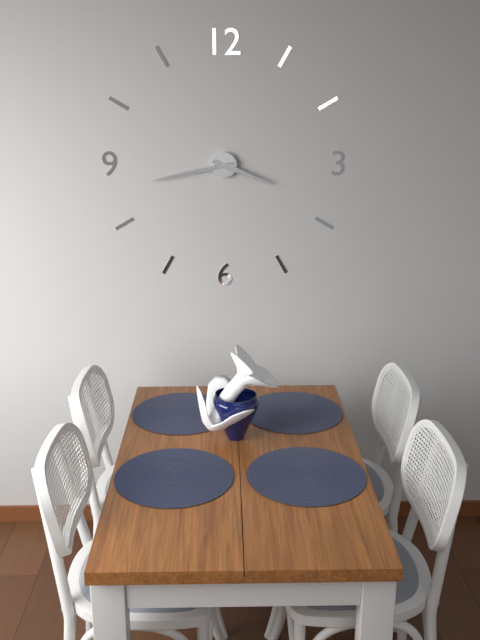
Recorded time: 3:43
